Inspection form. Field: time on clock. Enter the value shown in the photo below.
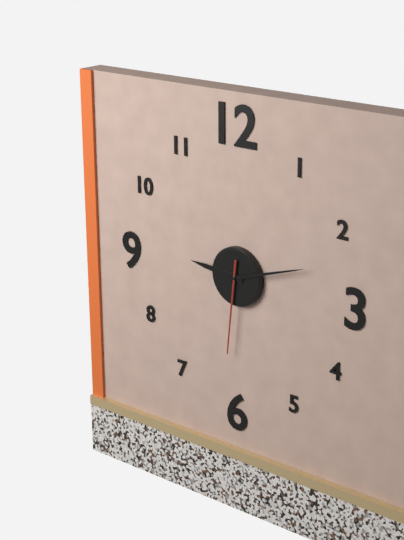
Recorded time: 9:12:31
